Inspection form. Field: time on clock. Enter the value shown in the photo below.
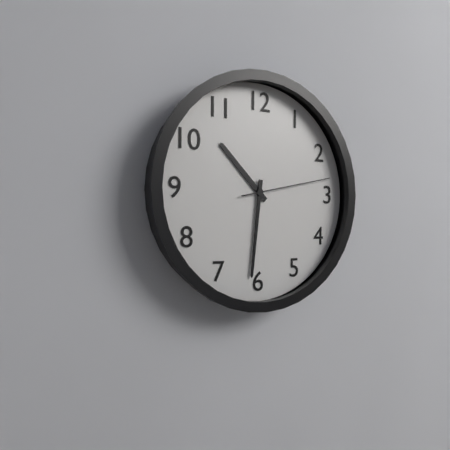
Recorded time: 10:31:13
